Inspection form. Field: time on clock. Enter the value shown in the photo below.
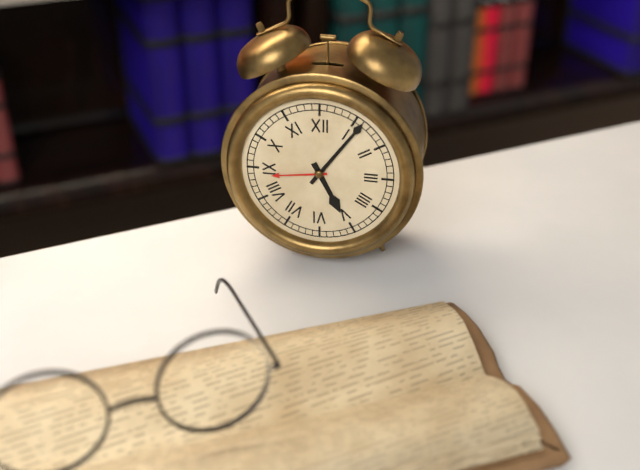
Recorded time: 5:06
